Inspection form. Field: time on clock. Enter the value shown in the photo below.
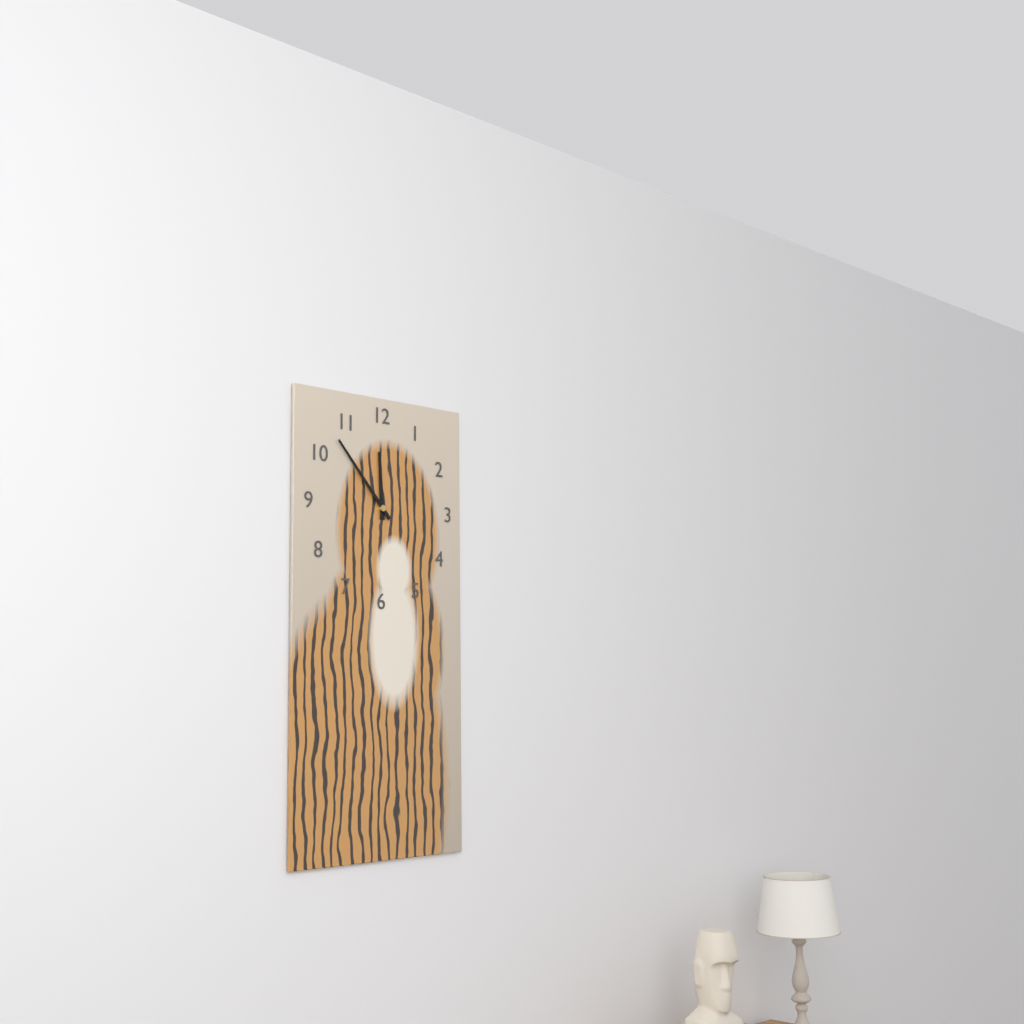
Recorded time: 11:53
